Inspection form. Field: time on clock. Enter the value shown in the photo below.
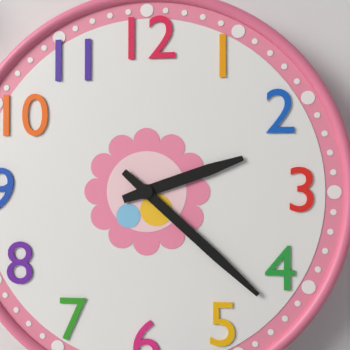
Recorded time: 2:22
